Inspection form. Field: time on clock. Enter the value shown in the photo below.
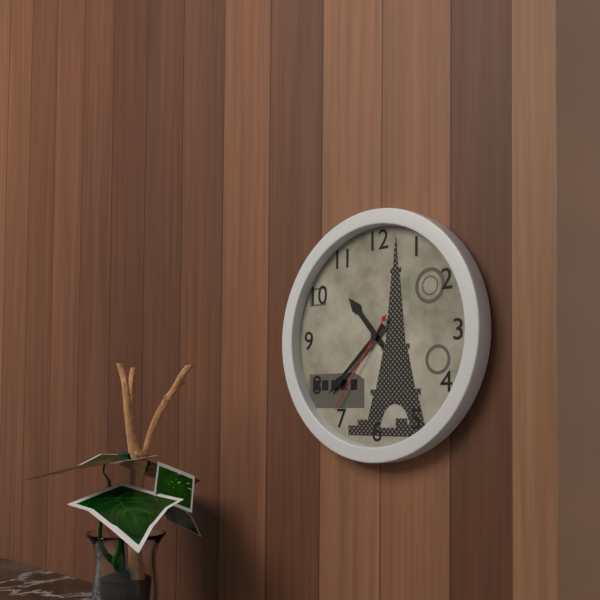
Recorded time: 10:38:36
